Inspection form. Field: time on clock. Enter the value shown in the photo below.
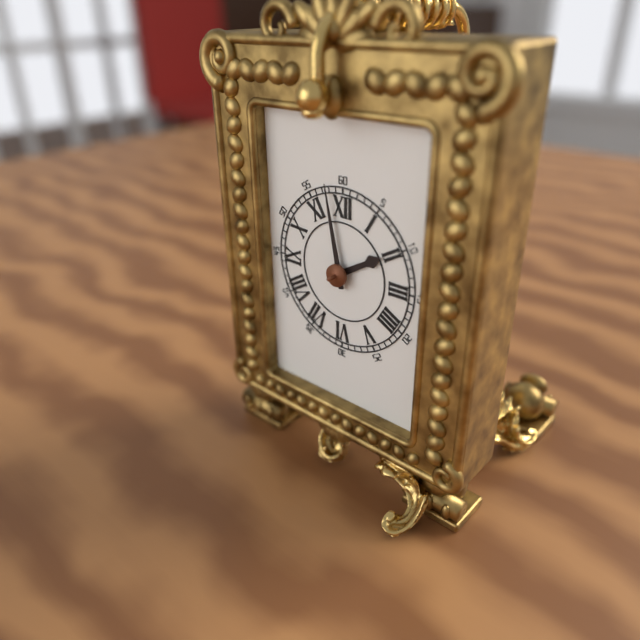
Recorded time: 1:58
